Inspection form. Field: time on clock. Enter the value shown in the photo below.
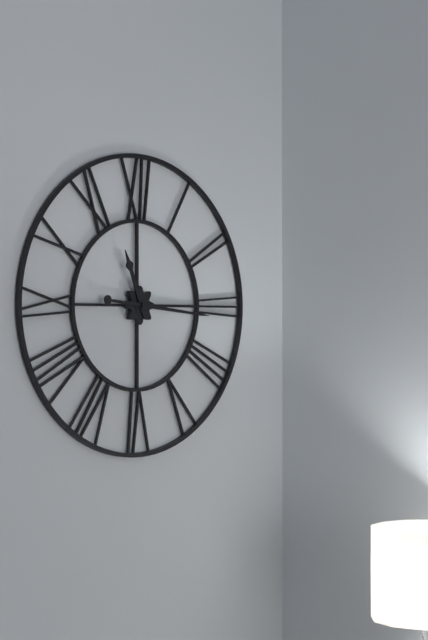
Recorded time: 11:16
